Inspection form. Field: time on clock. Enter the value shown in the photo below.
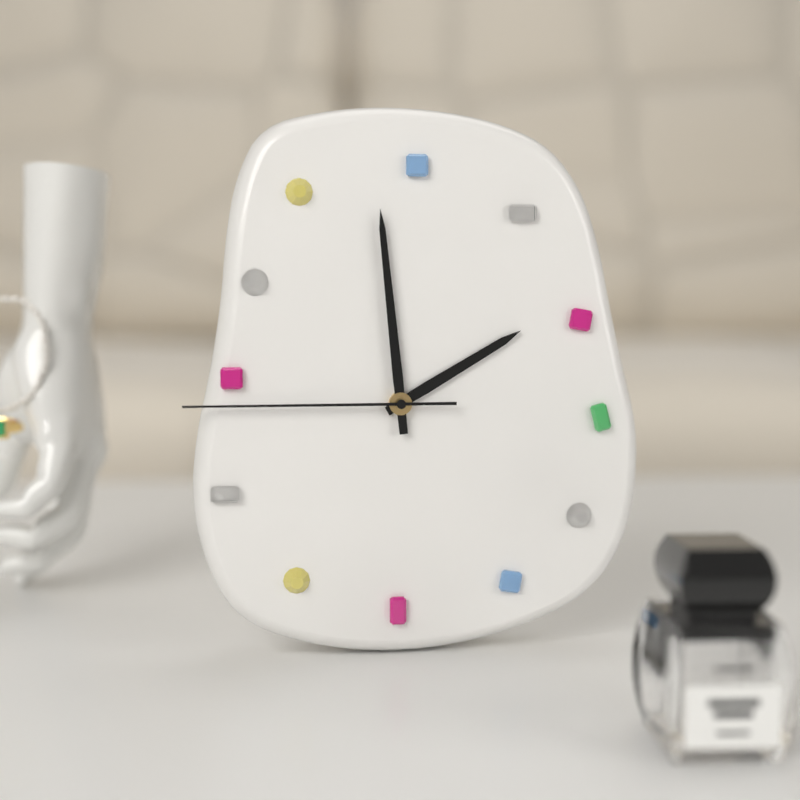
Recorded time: 1:59:45
